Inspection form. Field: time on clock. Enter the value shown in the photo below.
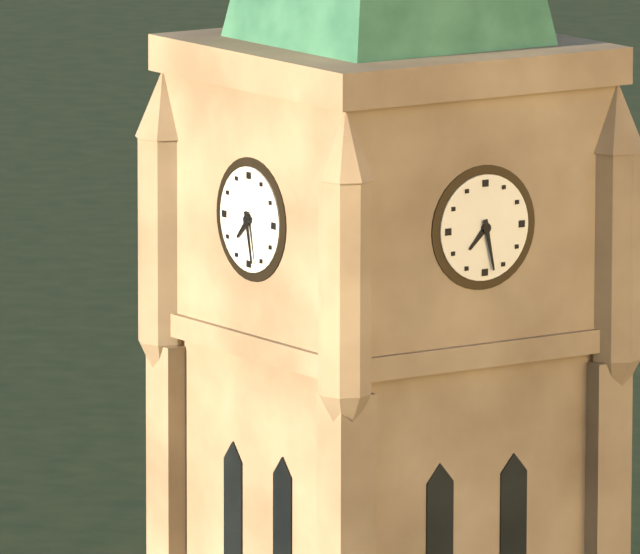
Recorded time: 7:28
